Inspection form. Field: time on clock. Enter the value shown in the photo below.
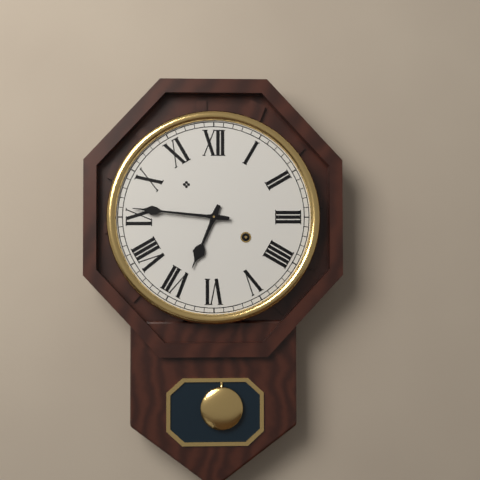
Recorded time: 6:46
